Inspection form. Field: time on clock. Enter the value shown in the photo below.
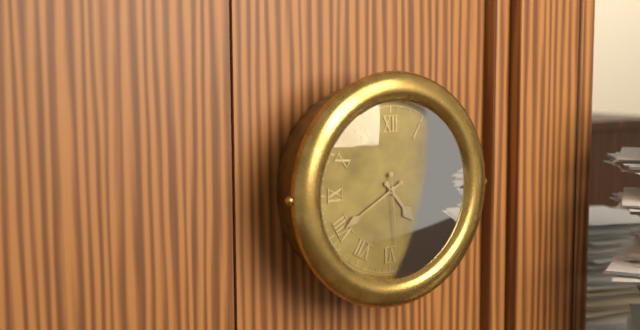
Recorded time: 4:40:29
